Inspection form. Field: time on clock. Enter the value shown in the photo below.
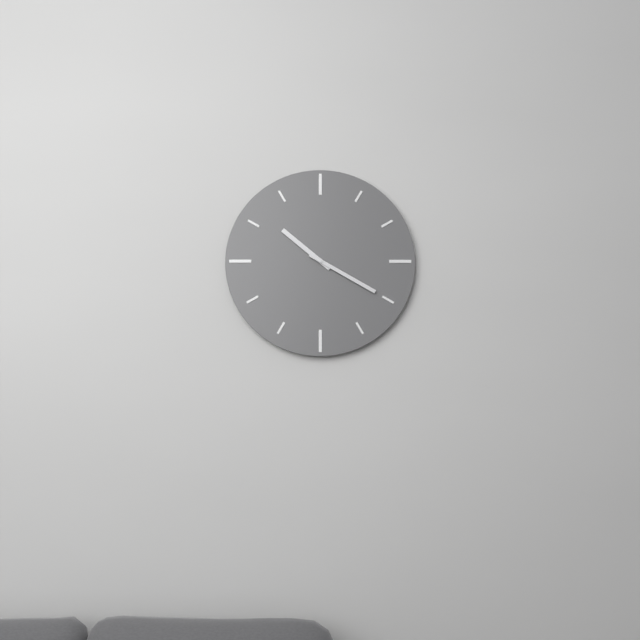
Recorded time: 10:20
